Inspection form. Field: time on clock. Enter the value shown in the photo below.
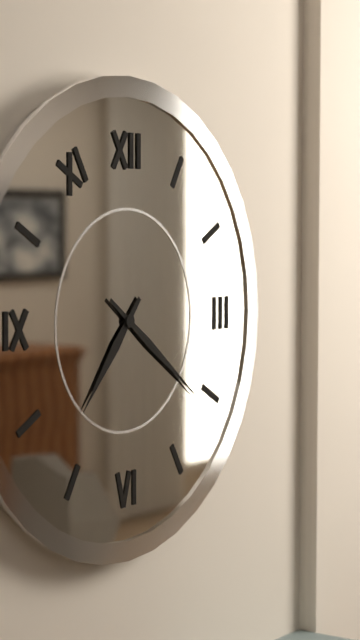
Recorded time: 7:21
